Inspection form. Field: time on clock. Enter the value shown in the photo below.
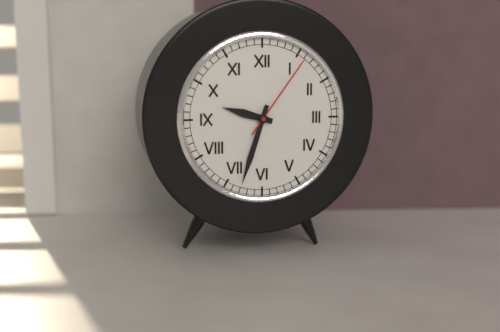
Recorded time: 9:33:06
